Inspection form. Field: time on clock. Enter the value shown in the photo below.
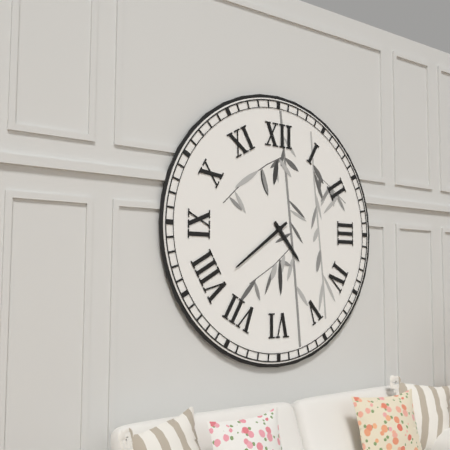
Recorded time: 4:39
